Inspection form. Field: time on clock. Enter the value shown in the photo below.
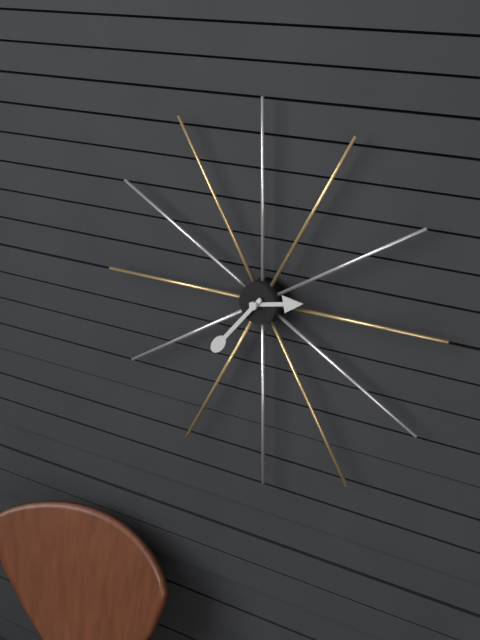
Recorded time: 2:37
